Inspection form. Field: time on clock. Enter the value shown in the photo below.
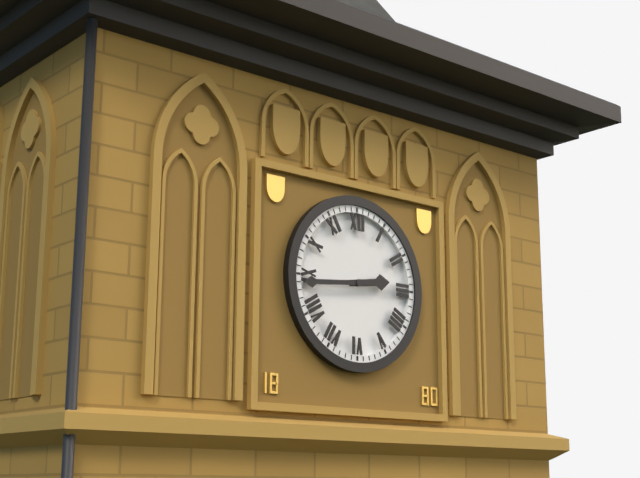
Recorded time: 2:44
